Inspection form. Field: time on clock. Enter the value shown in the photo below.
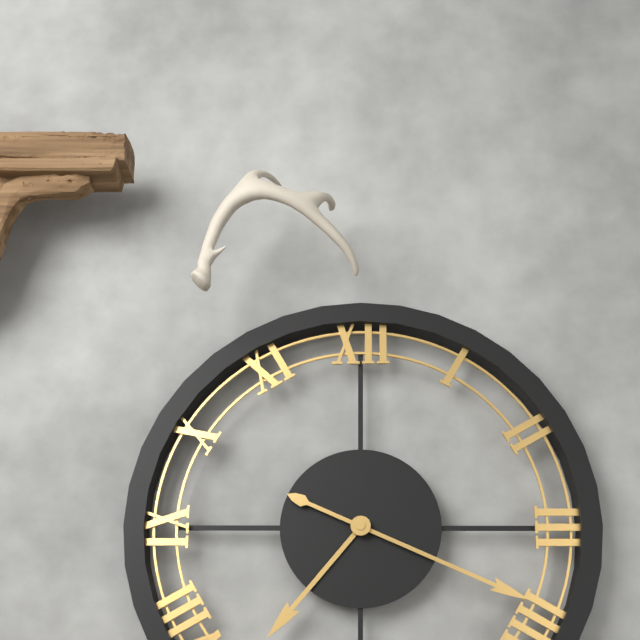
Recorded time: 7:19
